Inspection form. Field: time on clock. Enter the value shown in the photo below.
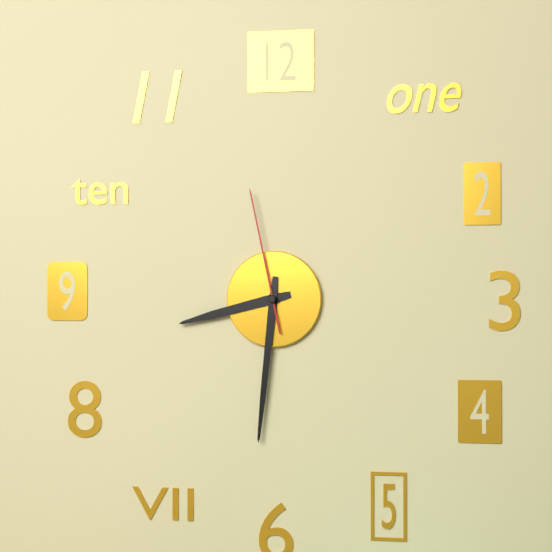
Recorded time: 8:31:58
